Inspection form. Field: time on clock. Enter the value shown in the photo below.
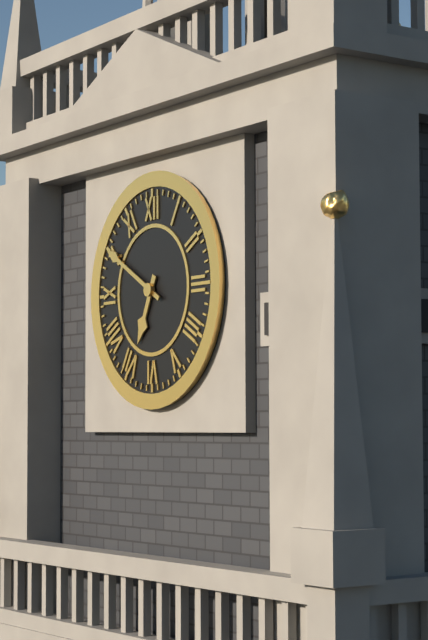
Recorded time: 6:50
